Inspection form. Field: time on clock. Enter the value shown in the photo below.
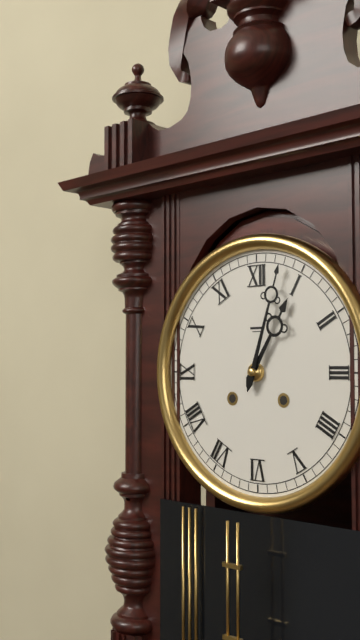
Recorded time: 1:03
